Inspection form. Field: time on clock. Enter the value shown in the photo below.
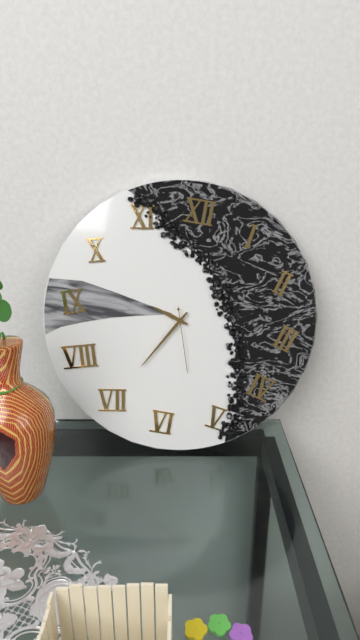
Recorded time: 9:35:27
